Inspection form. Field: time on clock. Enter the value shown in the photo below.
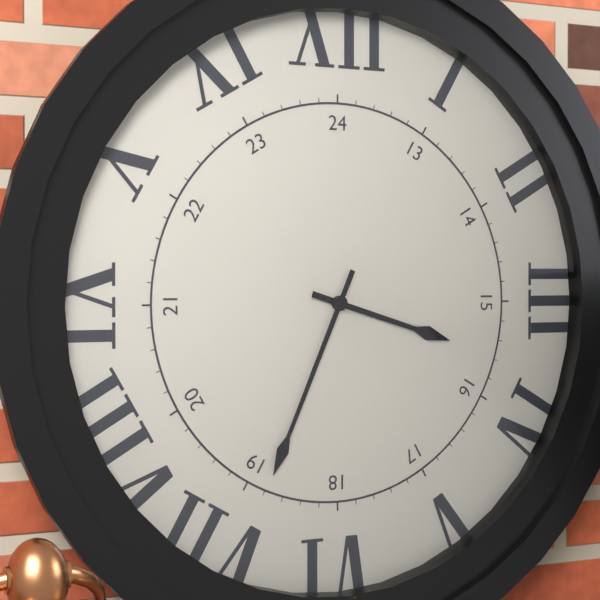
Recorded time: 3:34
